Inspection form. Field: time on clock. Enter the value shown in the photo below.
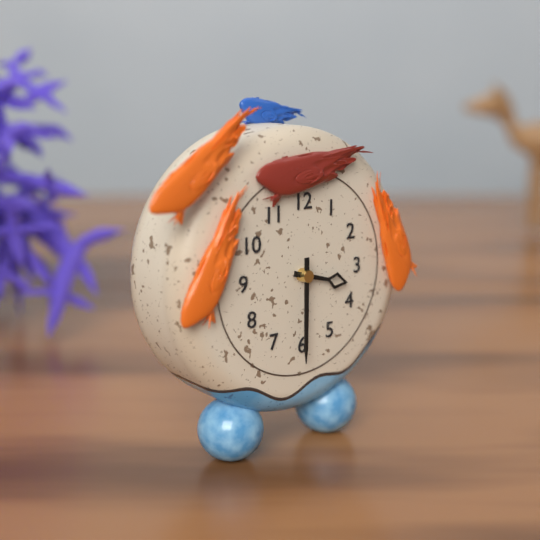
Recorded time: 3:30
